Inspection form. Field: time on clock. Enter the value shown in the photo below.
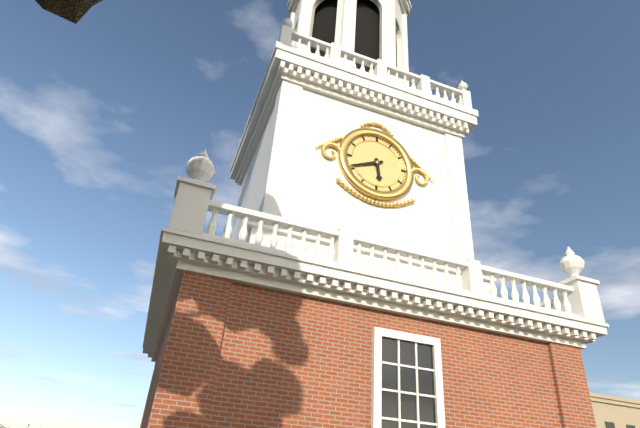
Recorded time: 5:41
